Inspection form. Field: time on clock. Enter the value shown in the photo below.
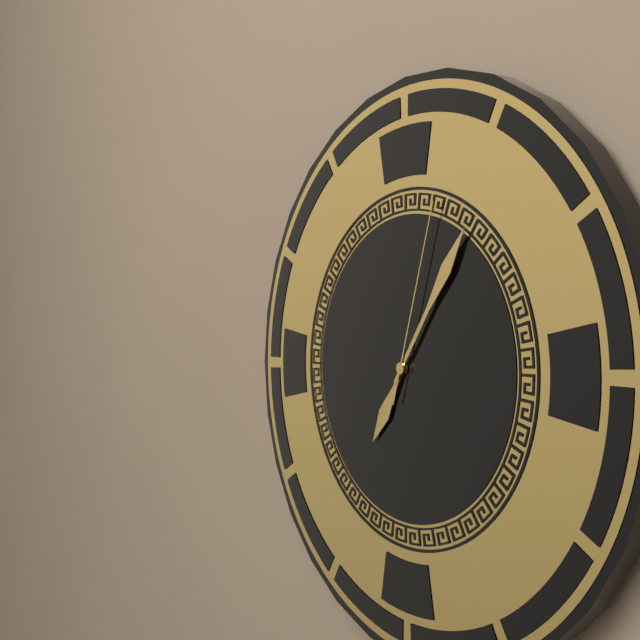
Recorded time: 7:06:03
